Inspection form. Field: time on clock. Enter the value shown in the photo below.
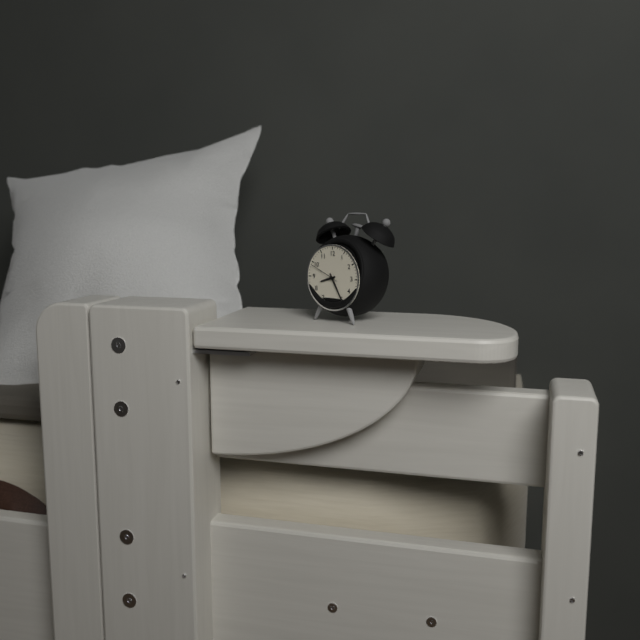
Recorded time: 8:25
